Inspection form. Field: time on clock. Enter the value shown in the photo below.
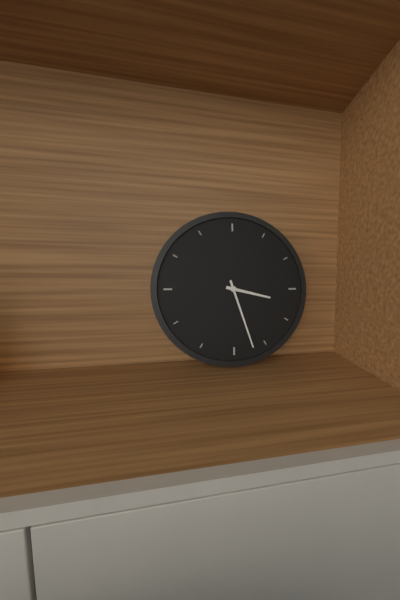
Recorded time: 3:27
